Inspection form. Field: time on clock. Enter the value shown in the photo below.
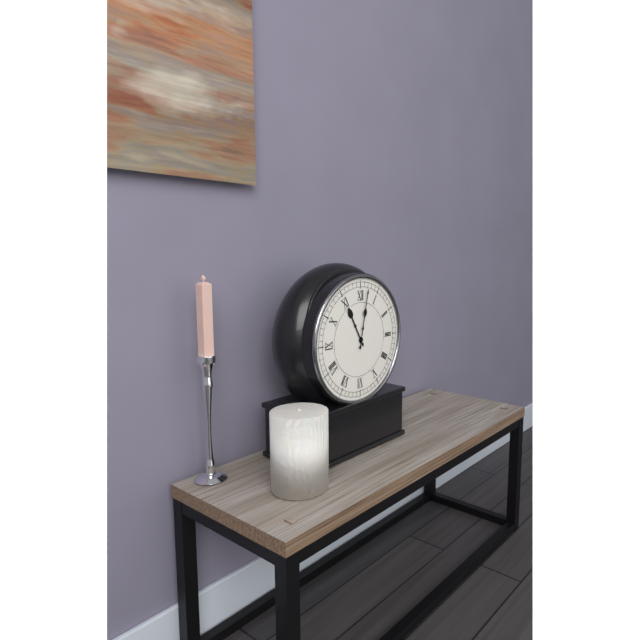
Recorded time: 11:02
